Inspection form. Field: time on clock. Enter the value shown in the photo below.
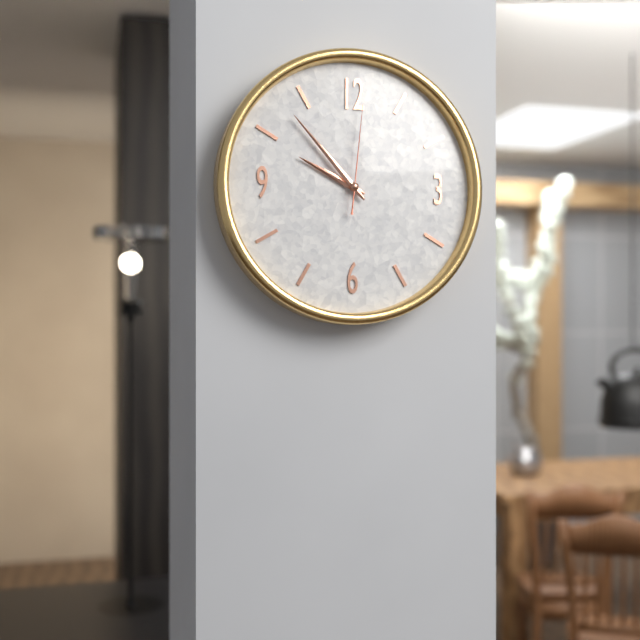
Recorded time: 9:53:01
